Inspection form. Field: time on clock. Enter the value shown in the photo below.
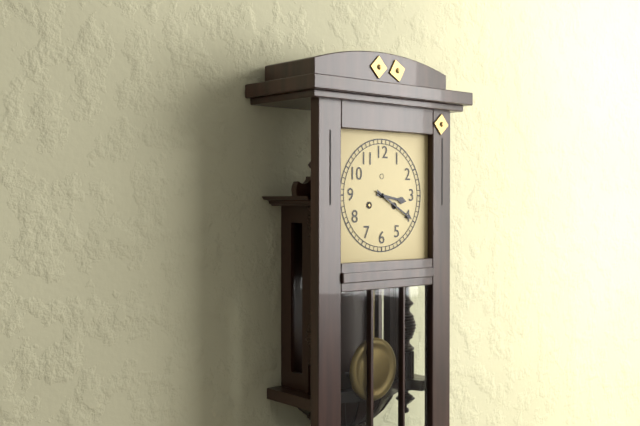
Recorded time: 3:20
